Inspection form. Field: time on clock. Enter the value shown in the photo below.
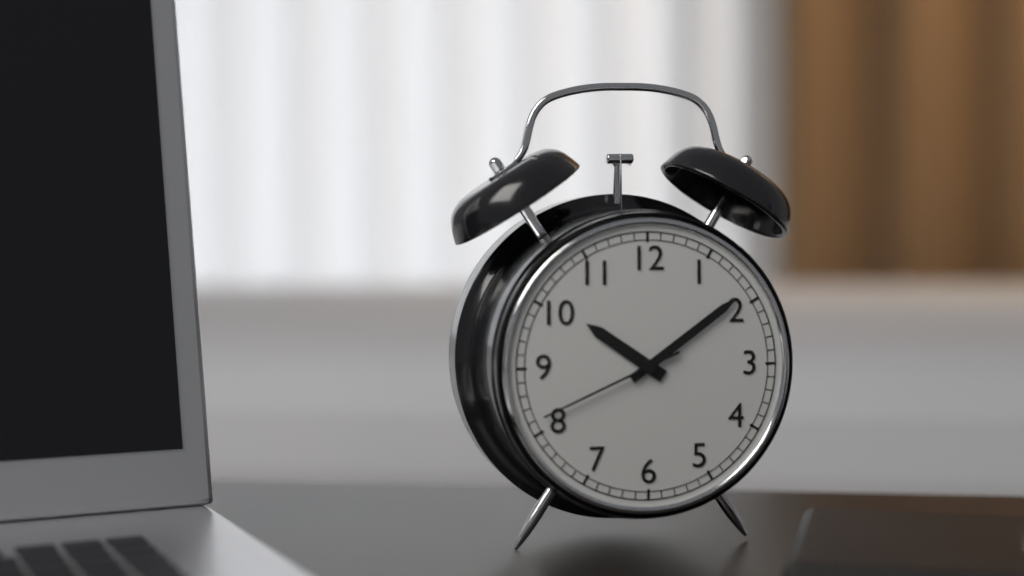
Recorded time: 10:09:41
